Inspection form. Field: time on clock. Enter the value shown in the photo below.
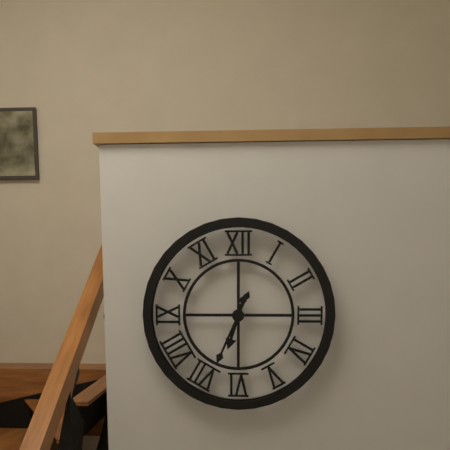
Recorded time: 6:34
